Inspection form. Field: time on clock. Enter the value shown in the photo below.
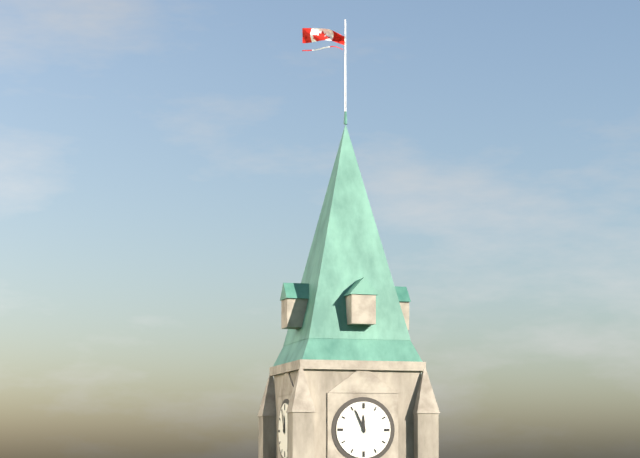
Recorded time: 11:56
